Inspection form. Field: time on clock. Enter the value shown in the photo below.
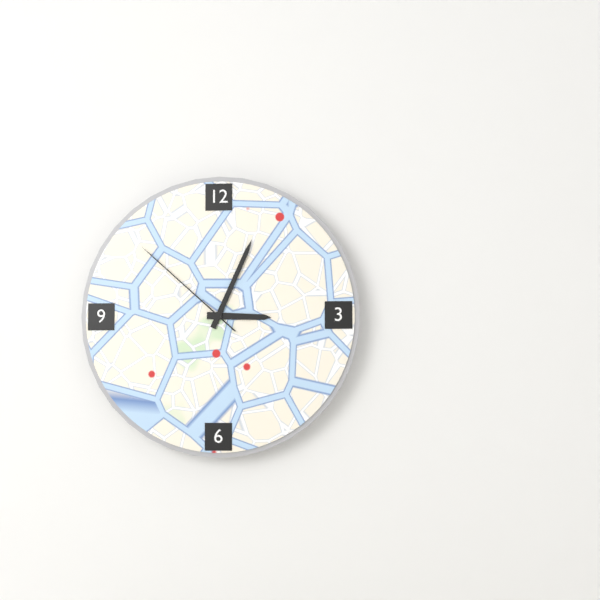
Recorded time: 3:04:52
